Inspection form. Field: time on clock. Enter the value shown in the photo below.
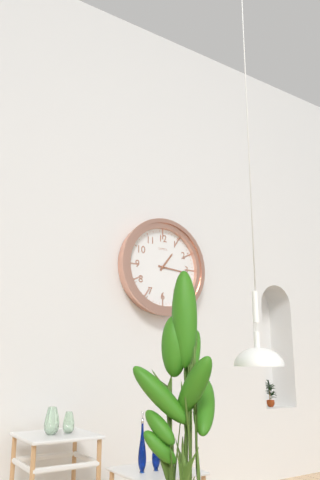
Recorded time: 1:16
